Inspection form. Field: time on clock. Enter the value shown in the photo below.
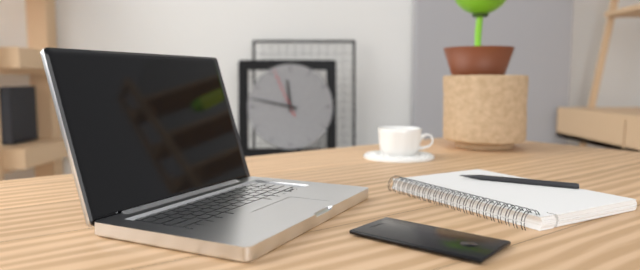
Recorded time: 11:47:56
